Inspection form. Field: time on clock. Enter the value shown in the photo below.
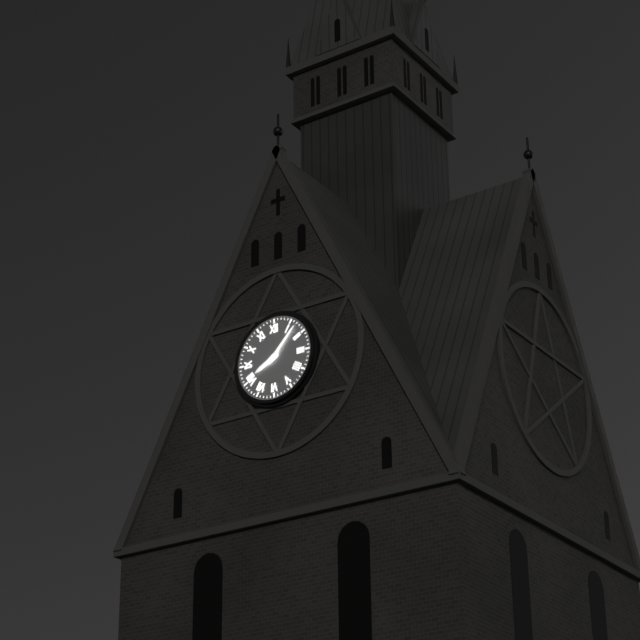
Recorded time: 8:07
